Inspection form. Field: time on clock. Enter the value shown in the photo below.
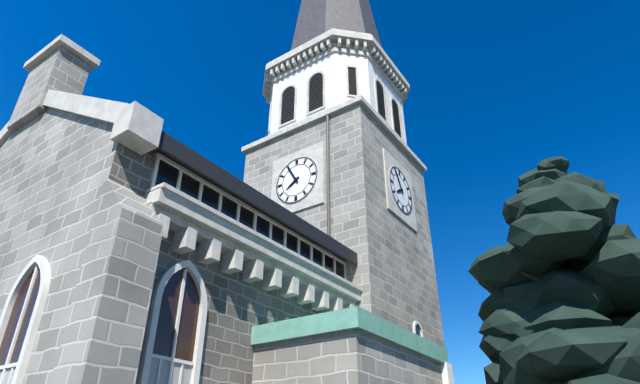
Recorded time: 7:55
